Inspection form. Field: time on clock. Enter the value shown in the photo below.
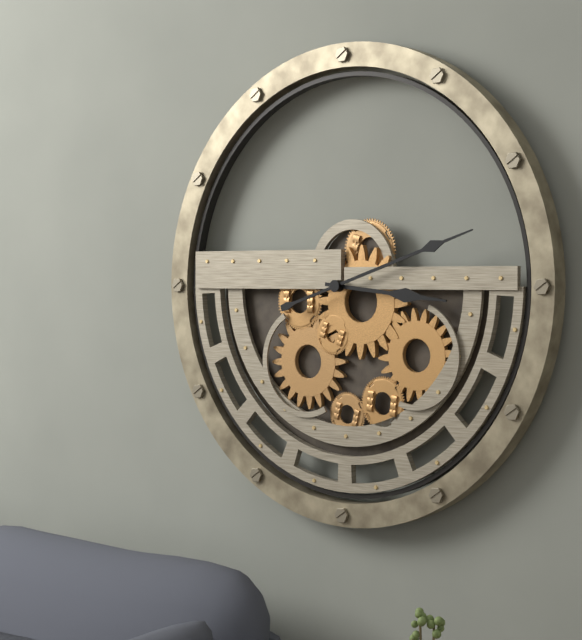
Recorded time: 3:12
